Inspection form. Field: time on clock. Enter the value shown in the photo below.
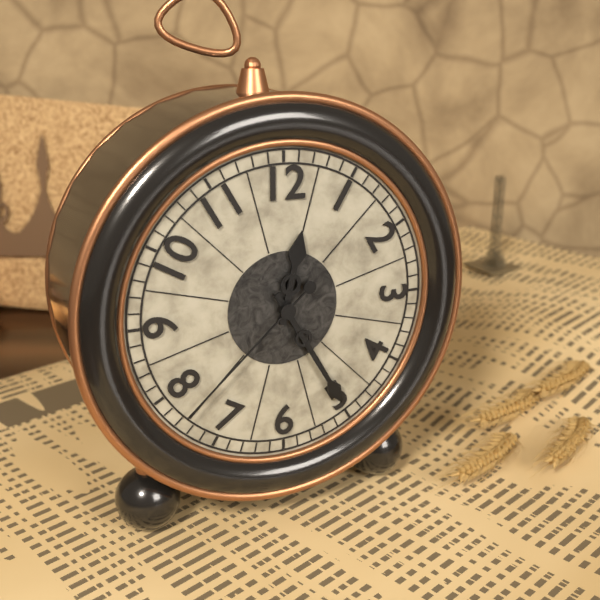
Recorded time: 12:25:38
